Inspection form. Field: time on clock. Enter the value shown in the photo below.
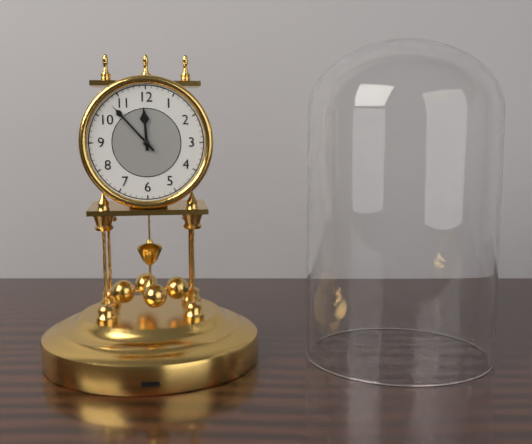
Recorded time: 11:53
